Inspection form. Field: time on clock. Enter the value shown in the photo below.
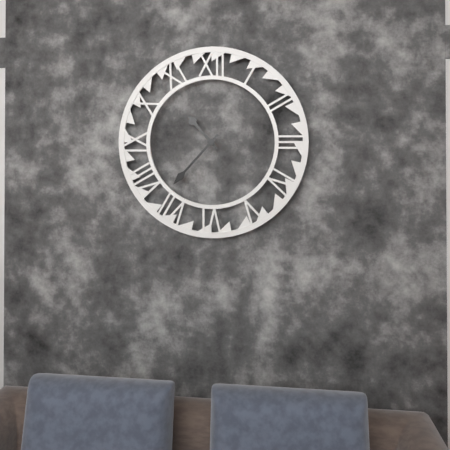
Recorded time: 10:37
